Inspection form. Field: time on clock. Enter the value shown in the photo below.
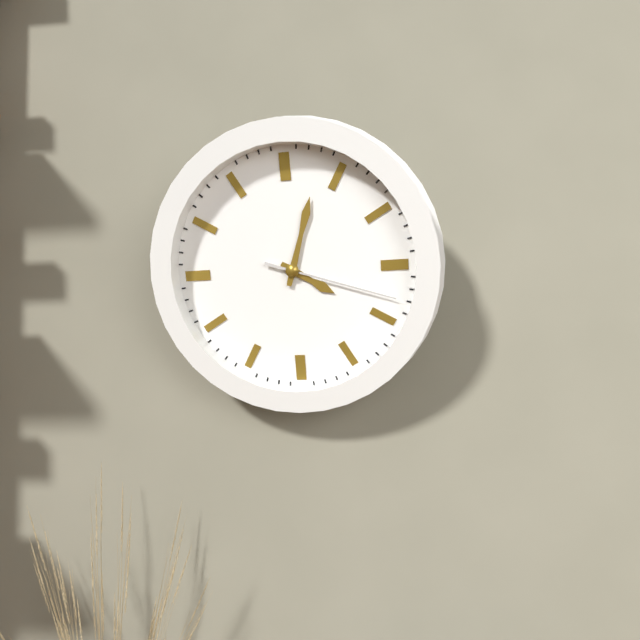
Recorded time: 4:03:18
